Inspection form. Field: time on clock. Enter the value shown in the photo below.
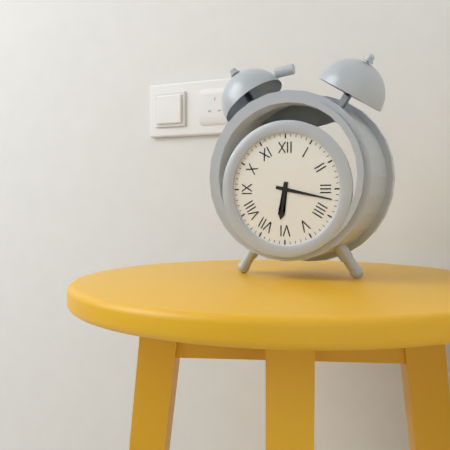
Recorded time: 6:17
